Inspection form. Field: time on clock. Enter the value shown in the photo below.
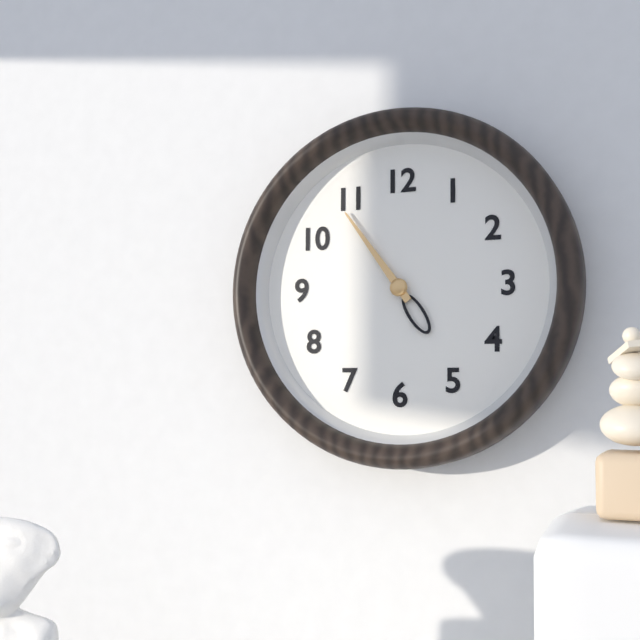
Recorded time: 4:54
